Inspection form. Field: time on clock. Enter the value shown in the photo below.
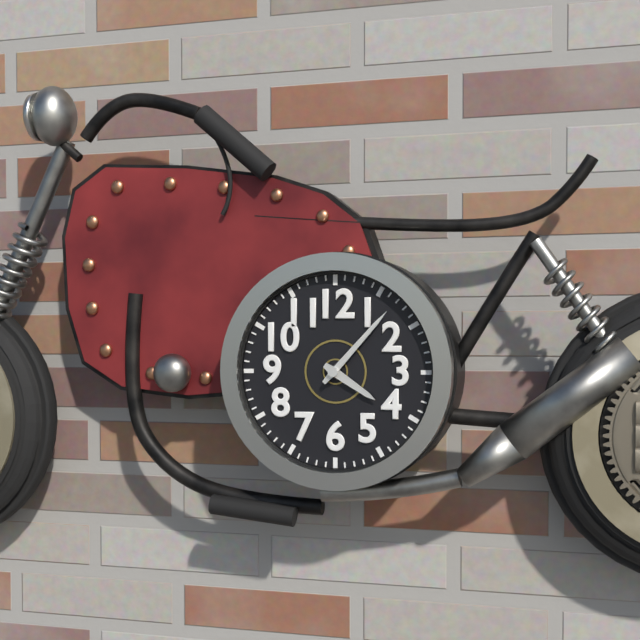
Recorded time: 4:07
